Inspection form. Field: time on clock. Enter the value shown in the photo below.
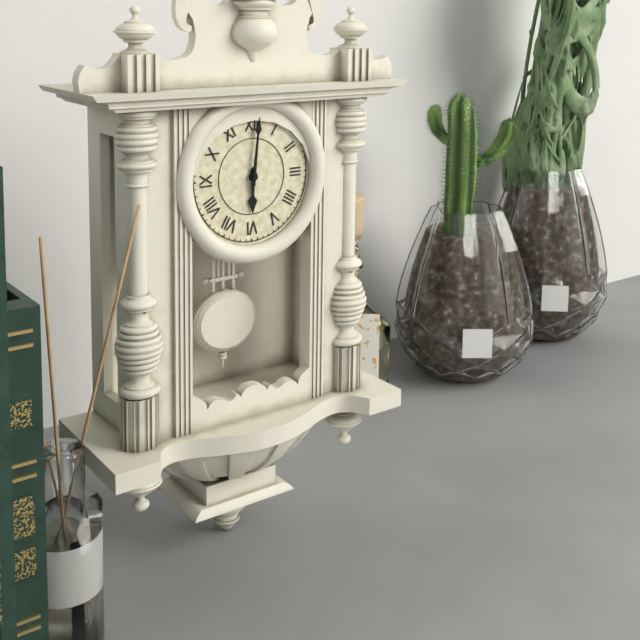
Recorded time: 6:01
